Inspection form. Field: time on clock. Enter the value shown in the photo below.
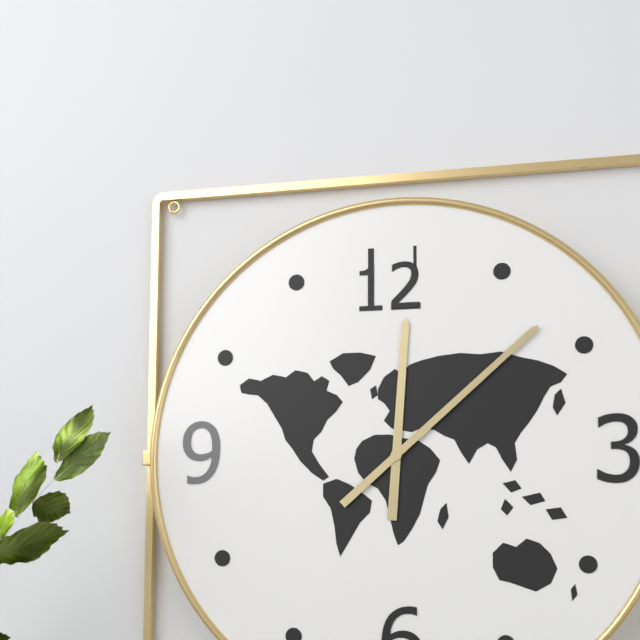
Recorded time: 12:08
